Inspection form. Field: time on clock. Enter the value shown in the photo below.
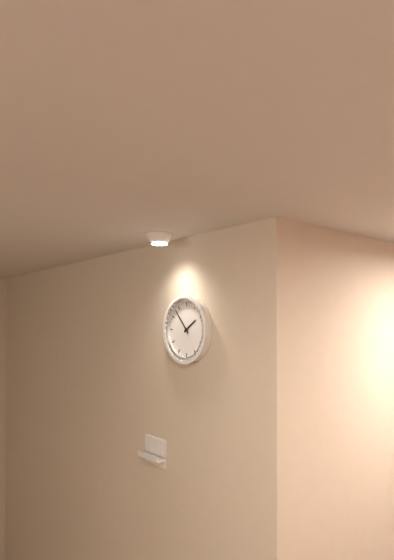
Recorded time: 1:53
